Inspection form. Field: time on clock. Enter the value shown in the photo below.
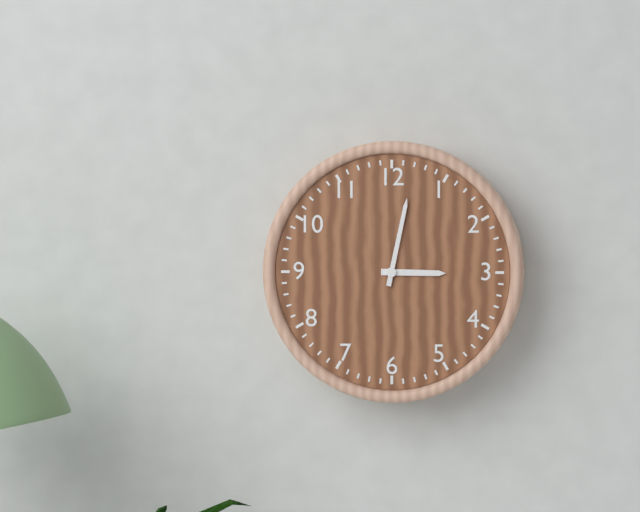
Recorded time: 3:02
